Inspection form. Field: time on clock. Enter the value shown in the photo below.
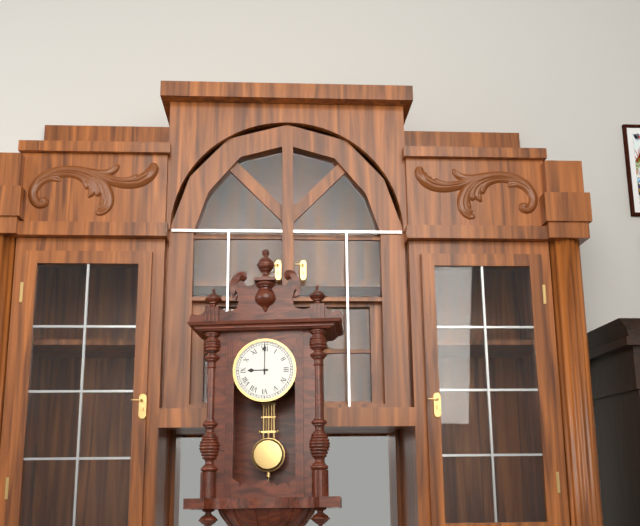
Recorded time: 9:00
